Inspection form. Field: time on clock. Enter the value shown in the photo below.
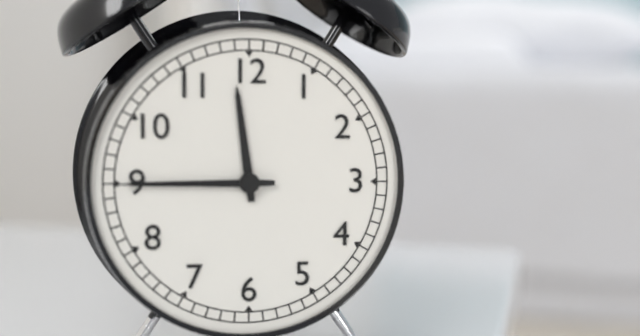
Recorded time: 11:45
